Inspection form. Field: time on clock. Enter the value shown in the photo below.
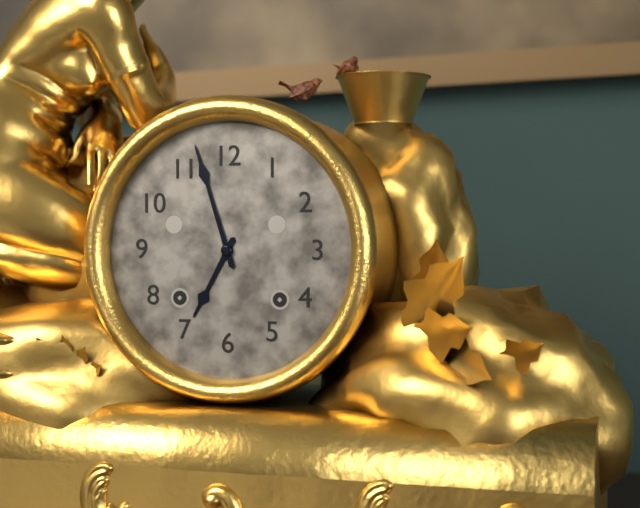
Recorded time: 6:57
